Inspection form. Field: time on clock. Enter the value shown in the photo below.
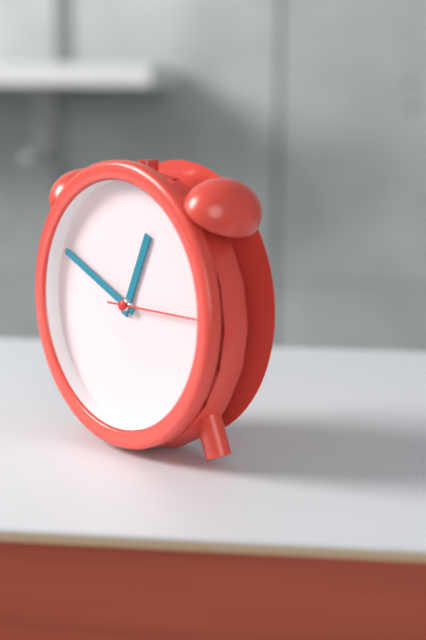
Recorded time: 12:49:15
